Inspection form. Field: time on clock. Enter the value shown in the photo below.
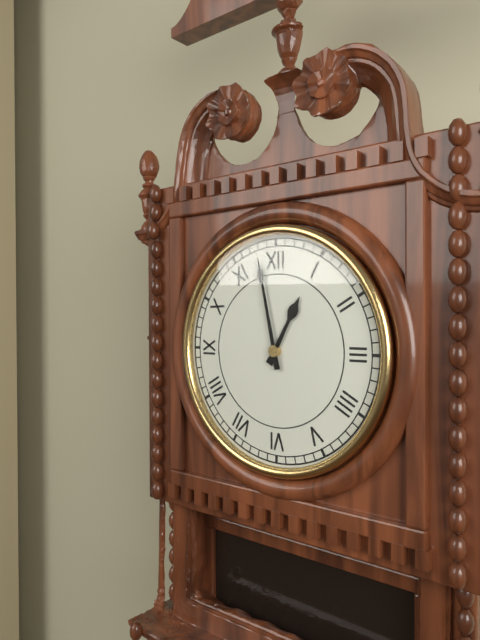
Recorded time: 12:58
